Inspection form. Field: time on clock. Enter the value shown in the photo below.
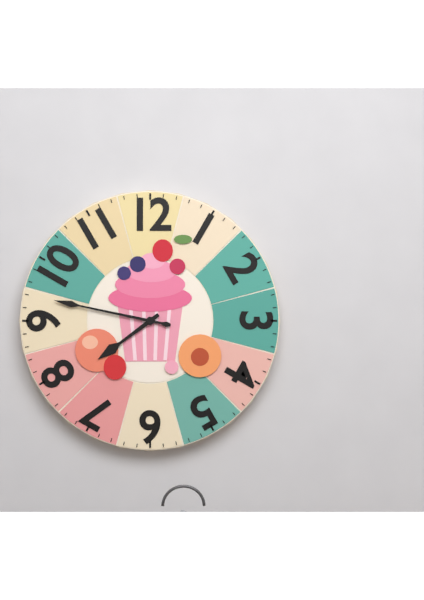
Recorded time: 7:47
